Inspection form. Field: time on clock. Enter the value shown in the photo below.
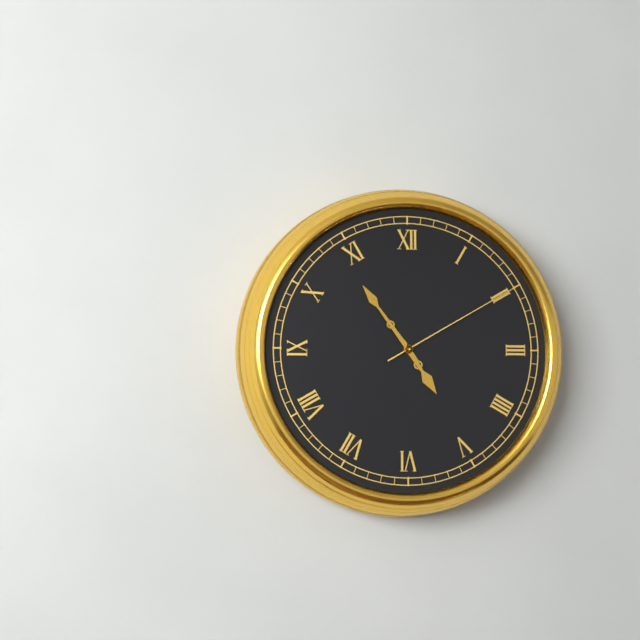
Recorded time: 4:54:10
